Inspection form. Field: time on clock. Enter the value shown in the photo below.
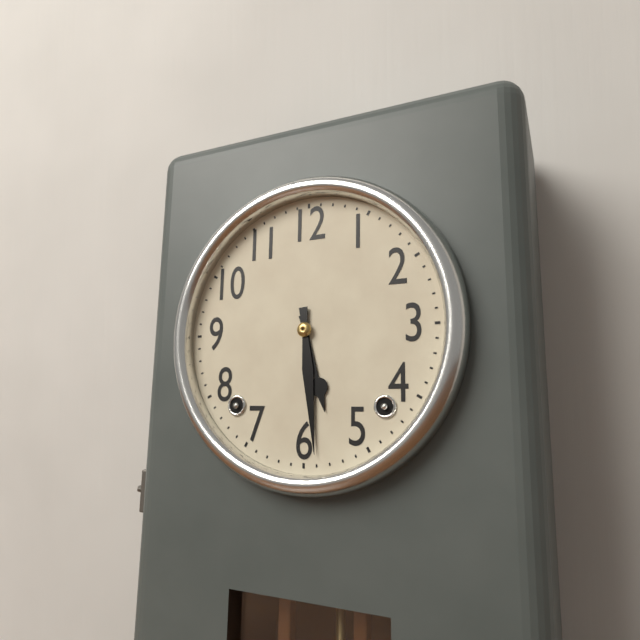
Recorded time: 5:29
